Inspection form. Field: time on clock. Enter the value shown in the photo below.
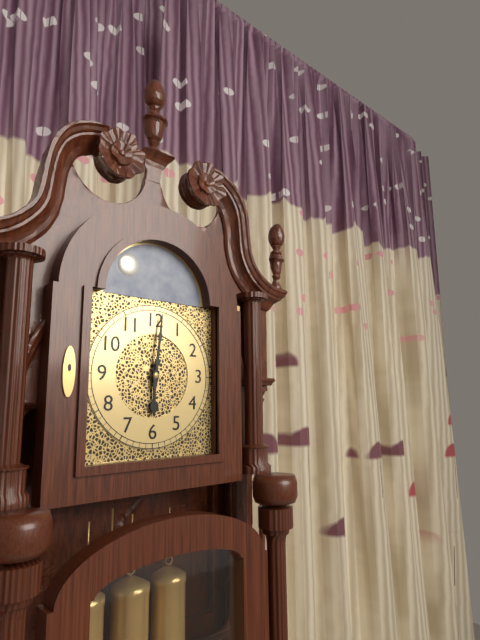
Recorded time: 6:01
